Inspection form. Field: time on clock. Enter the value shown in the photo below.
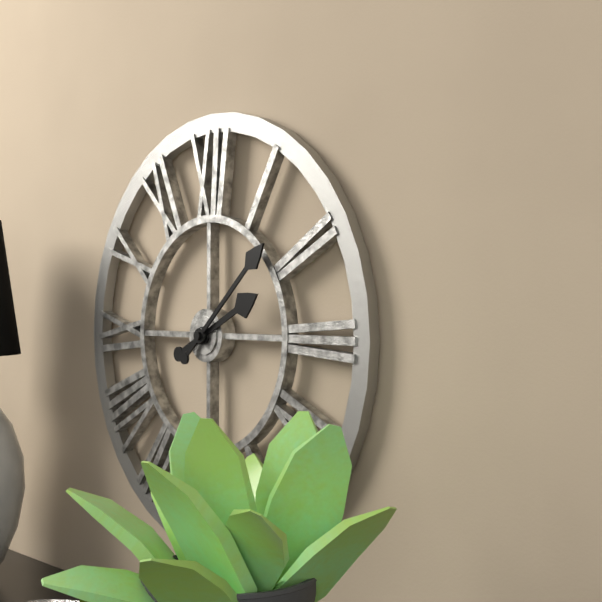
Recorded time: 2:08
